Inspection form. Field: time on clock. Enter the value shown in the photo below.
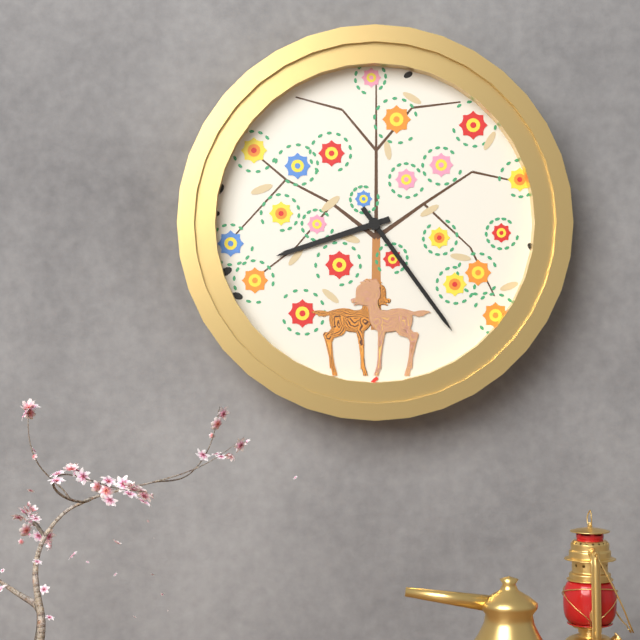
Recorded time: 8:24
